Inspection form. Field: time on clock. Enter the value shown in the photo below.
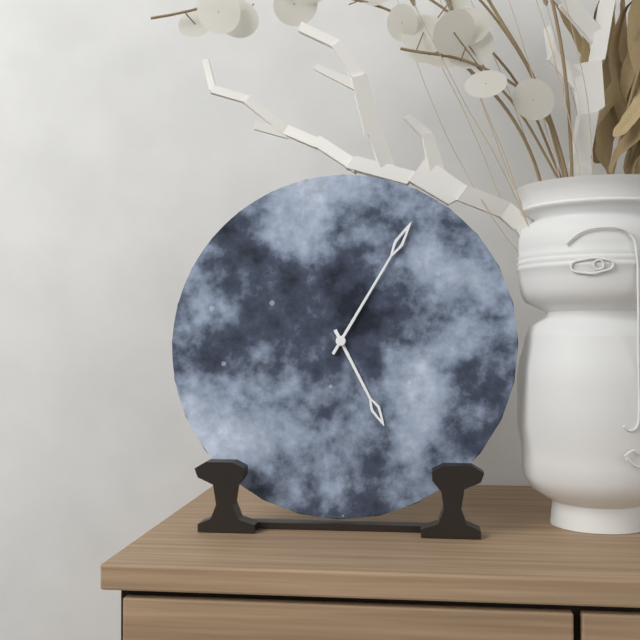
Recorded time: 5:05
